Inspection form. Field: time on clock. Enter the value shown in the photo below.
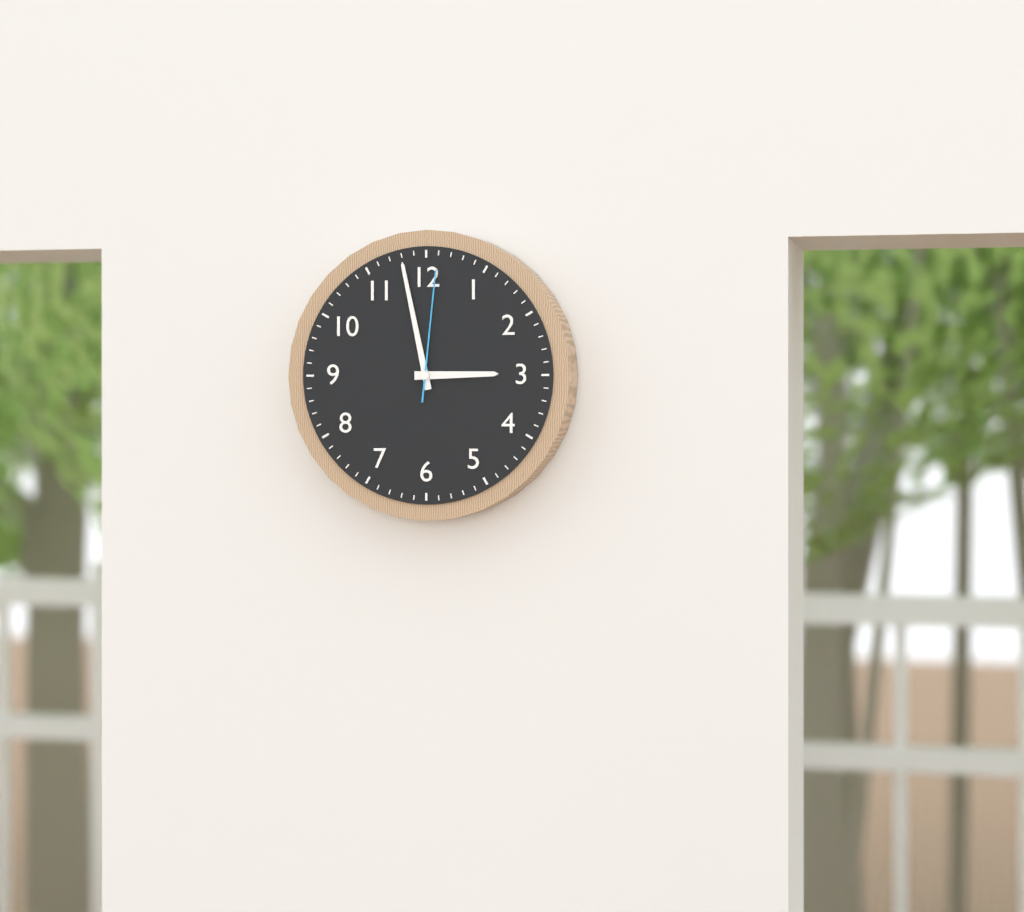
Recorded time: 2:58:01
